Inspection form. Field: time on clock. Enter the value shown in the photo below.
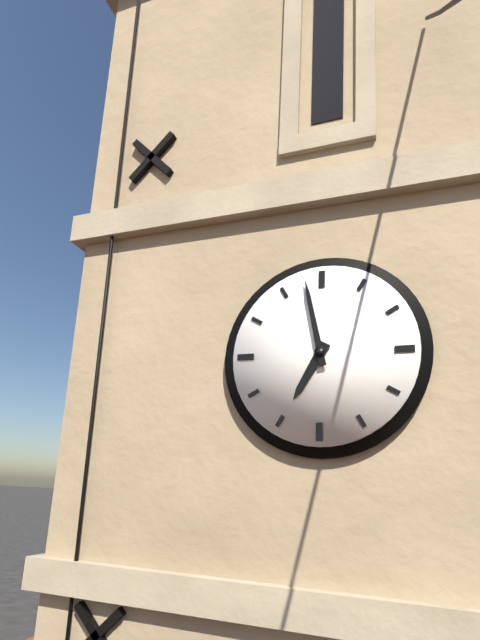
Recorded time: 6:58
